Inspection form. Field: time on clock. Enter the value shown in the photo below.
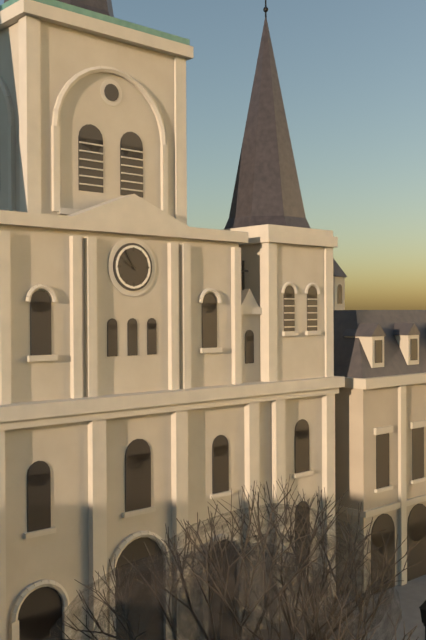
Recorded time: 9:55
